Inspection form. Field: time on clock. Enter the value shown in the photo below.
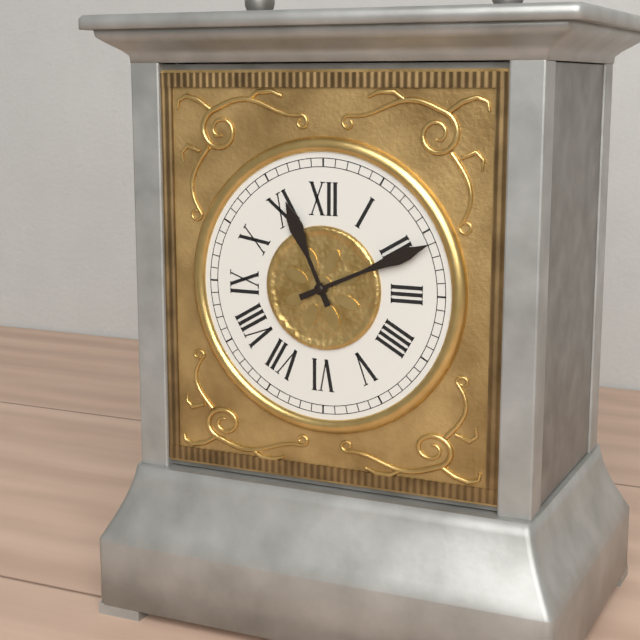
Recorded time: 11:11
